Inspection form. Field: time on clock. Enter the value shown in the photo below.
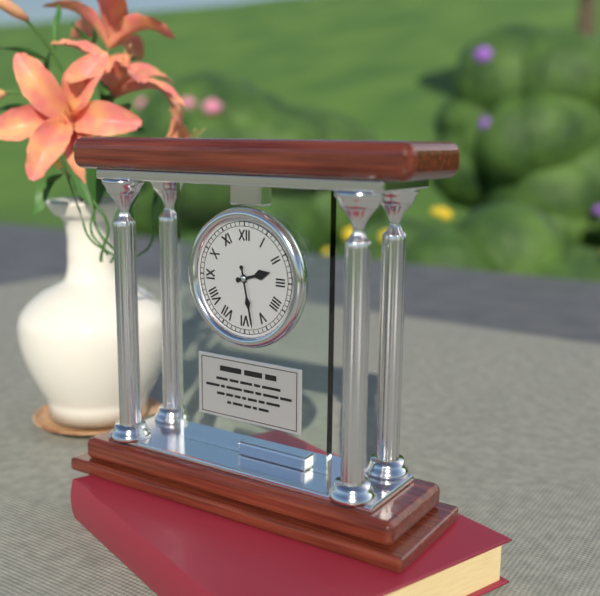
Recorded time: 2:28
